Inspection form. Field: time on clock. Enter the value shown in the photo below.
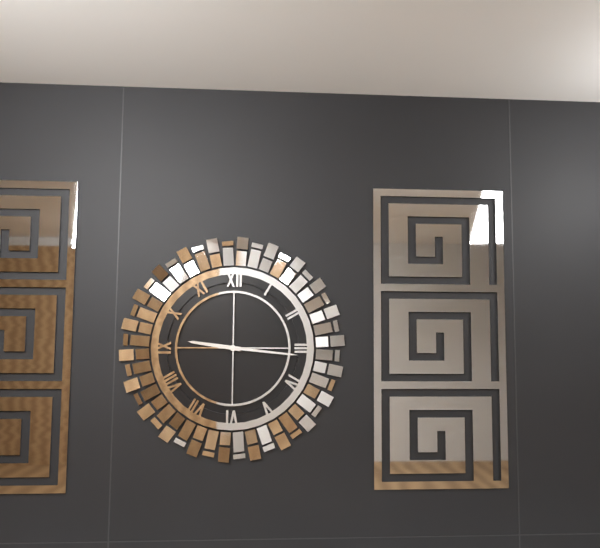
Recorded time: 9:16
